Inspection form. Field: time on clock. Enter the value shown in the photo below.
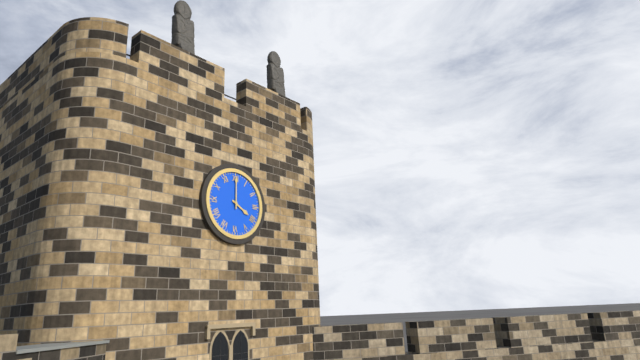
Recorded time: 4:00
